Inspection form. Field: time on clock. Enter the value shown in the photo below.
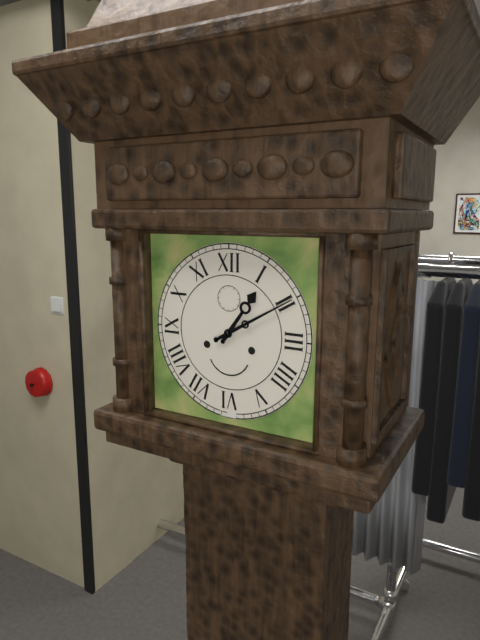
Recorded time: 1:10
